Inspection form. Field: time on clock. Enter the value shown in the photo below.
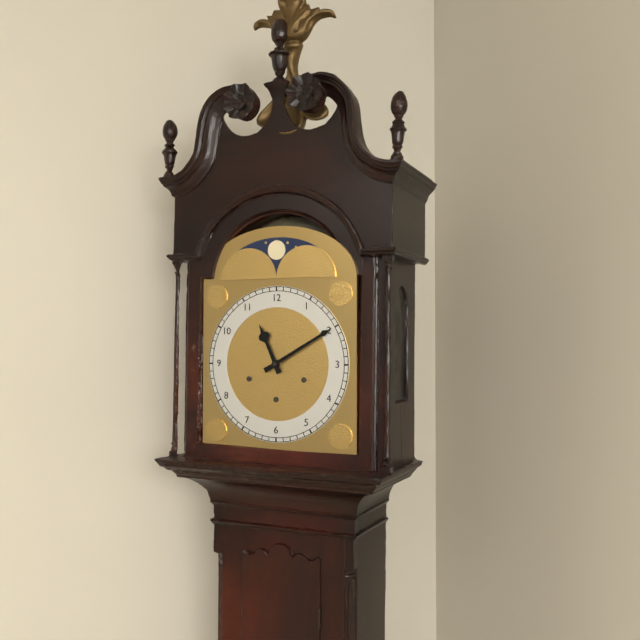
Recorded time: 11:10
